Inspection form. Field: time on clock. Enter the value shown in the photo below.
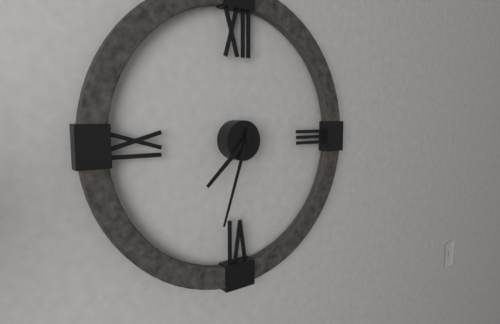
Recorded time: 7:33
